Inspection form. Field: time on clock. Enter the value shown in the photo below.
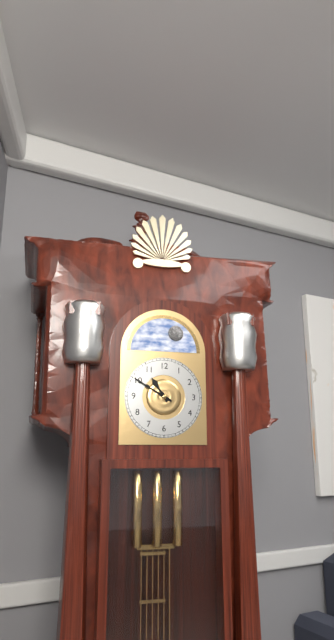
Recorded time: 10:50
